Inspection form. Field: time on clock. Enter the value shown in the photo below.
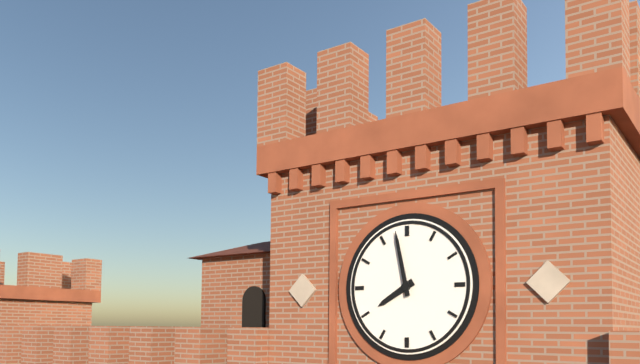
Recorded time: 7:58
